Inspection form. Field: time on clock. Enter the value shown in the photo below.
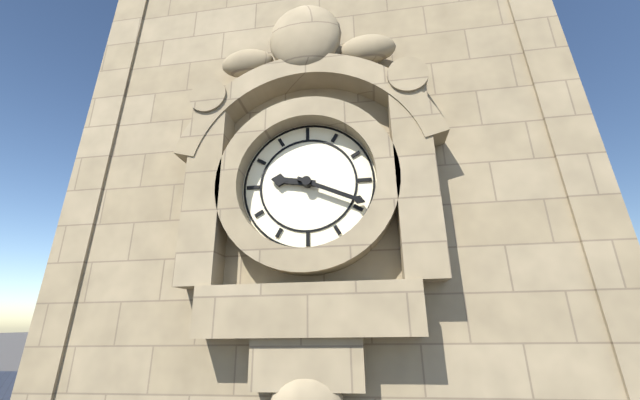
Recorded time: 9:19
